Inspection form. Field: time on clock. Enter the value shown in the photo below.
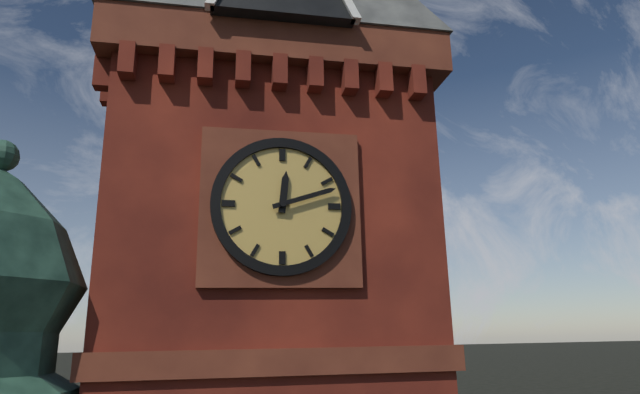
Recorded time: 12:12
